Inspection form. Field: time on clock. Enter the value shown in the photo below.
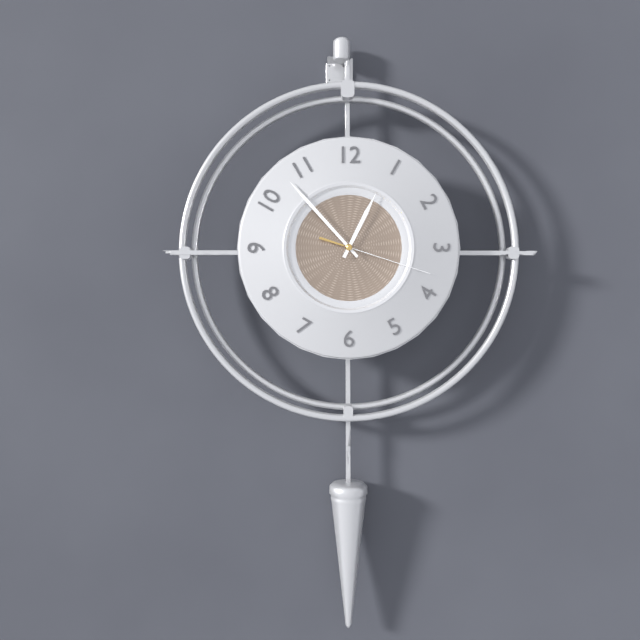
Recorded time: 12:53:18
